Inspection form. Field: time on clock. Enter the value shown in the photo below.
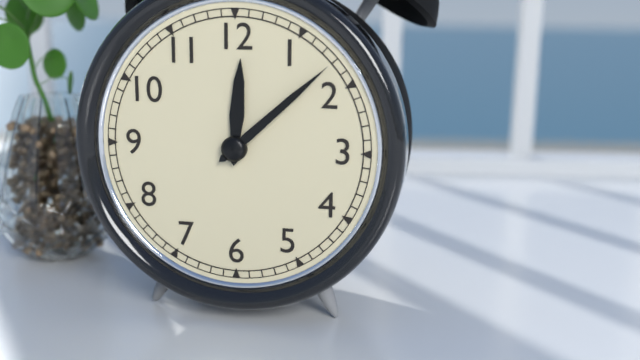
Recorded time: 12:08
